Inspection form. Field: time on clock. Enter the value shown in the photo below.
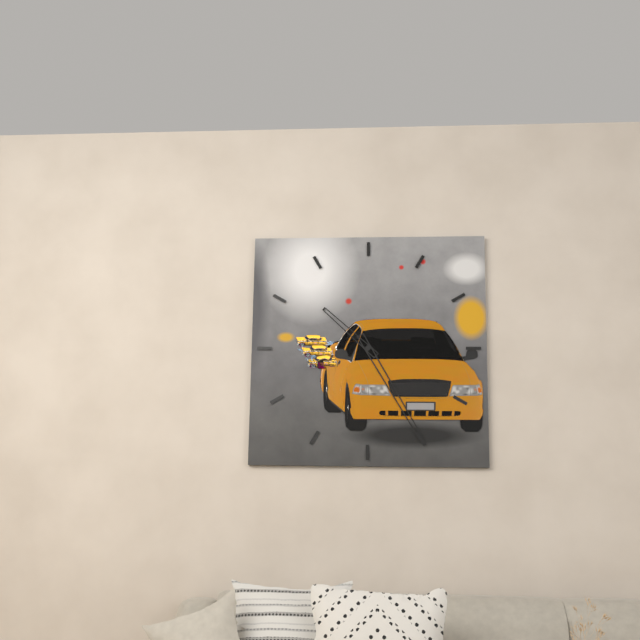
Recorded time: 10:25
